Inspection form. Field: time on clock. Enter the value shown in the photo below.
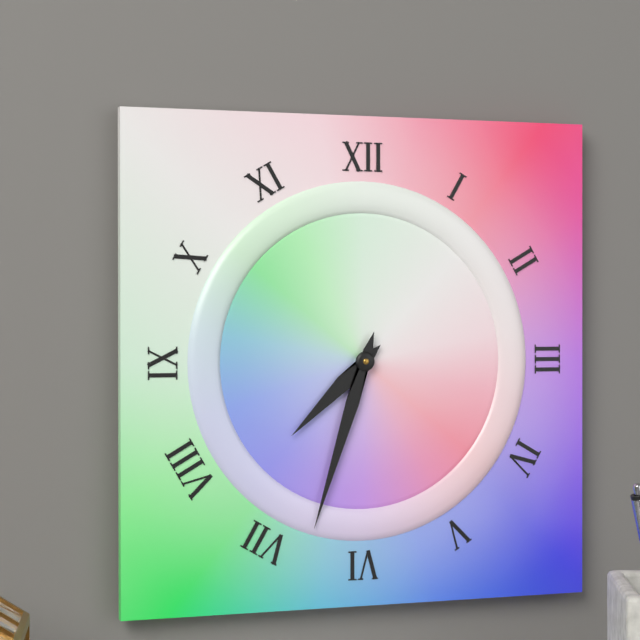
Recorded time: 7:33
